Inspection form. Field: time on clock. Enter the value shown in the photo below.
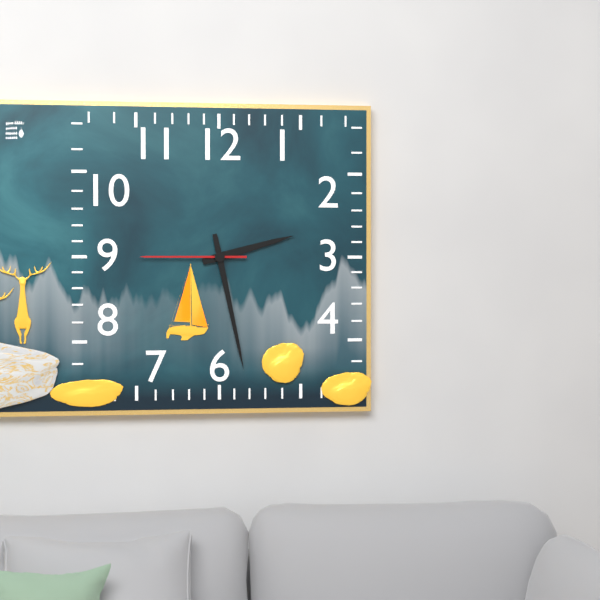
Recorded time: 2:28:45
